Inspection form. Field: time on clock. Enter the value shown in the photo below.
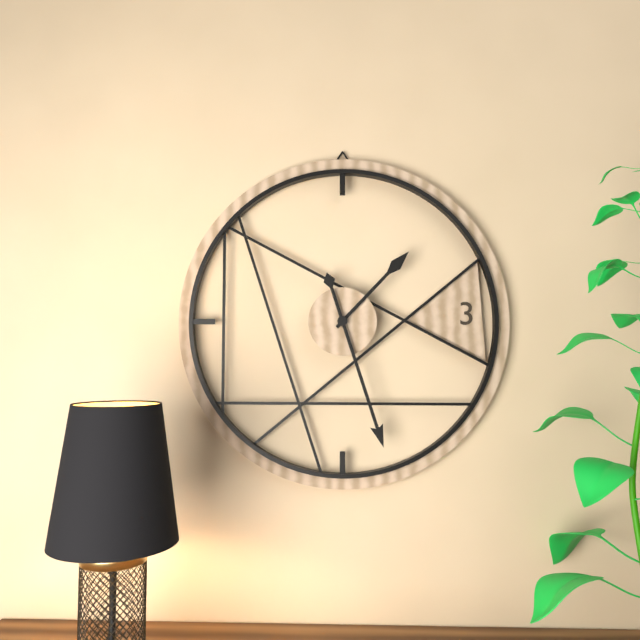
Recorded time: 1:27
